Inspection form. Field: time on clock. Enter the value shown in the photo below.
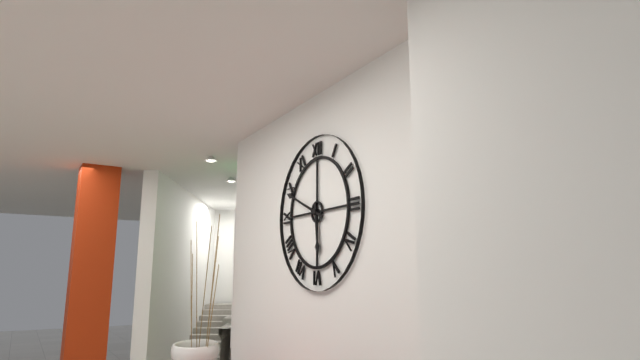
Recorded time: 5:49
